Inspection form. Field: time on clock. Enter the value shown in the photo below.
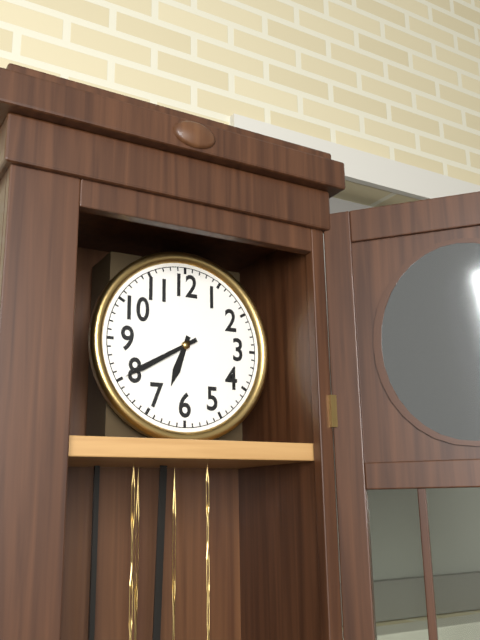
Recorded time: 6:40
